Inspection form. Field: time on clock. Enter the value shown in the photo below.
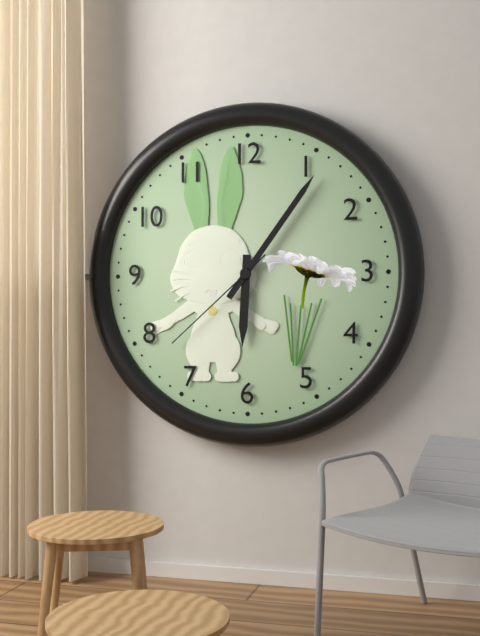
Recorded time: 6:06:38
